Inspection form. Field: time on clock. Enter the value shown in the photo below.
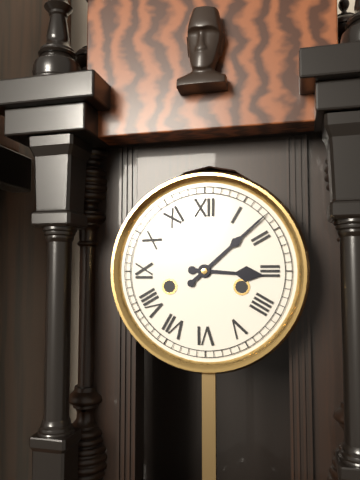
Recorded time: 3:08
